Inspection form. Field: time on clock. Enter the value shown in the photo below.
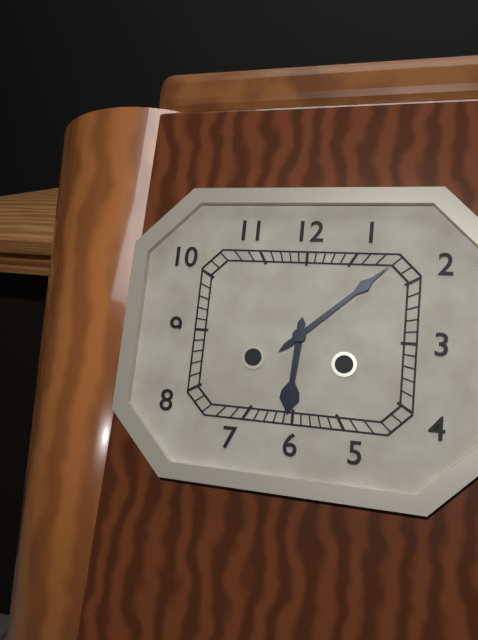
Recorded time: 6:08
